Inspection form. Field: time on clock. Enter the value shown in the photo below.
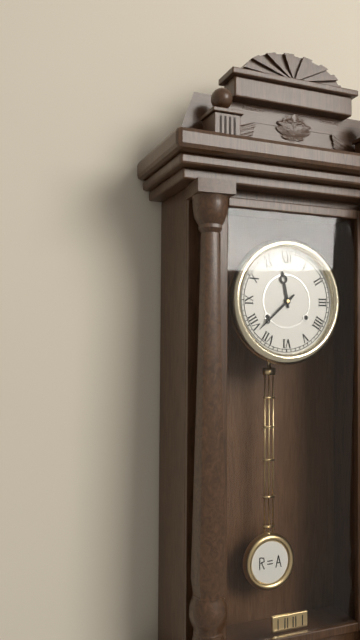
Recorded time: 11:38
